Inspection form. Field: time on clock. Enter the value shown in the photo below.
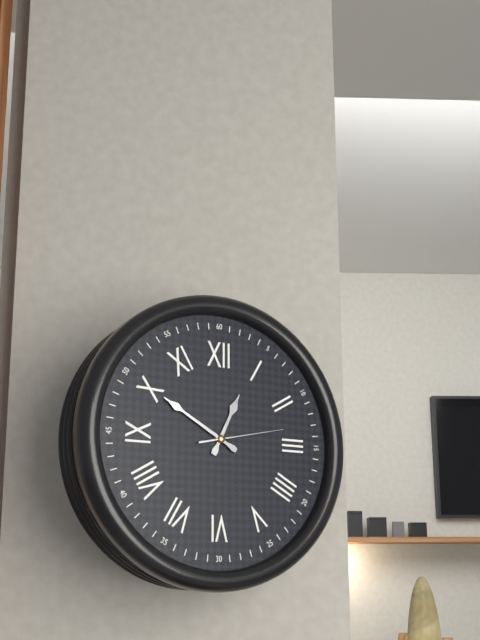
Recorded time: 12:50:13
